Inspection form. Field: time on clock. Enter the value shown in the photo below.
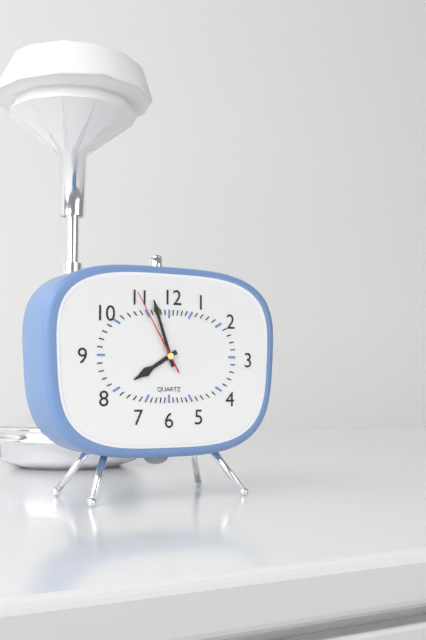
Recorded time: 7:57:55
